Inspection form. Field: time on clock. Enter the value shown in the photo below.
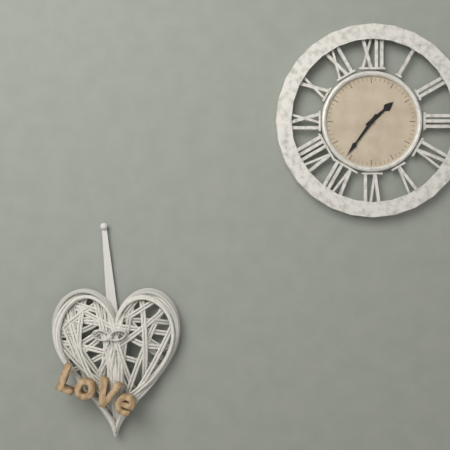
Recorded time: 1:36
